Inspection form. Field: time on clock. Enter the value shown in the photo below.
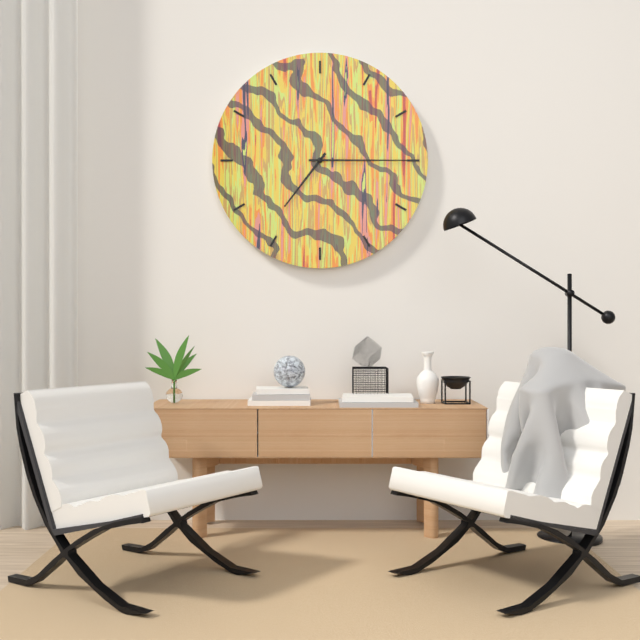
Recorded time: 7:15
